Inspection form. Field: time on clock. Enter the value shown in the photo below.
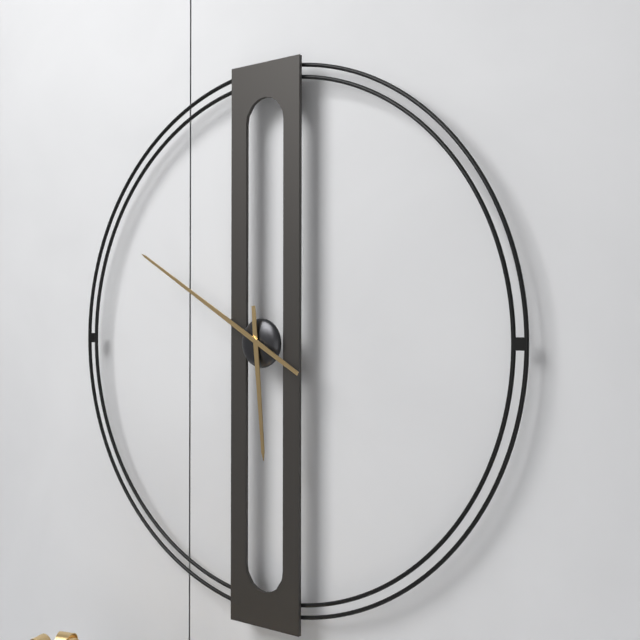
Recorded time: 5:50
